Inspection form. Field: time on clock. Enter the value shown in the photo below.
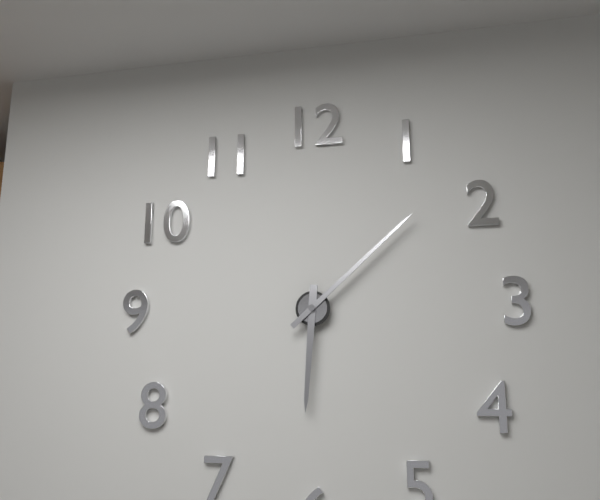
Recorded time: 6:08
